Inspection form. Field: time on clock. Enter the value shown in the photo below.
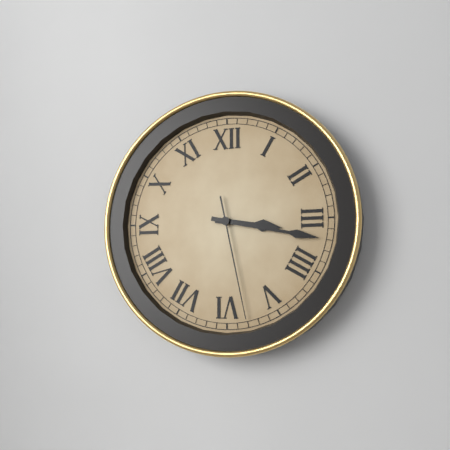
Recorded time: 3:17:28
